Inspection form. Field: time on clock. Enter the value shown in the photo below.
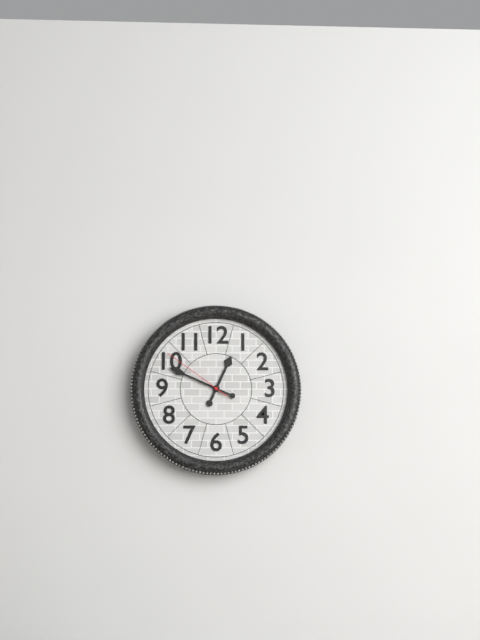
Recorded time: 12:49:51
